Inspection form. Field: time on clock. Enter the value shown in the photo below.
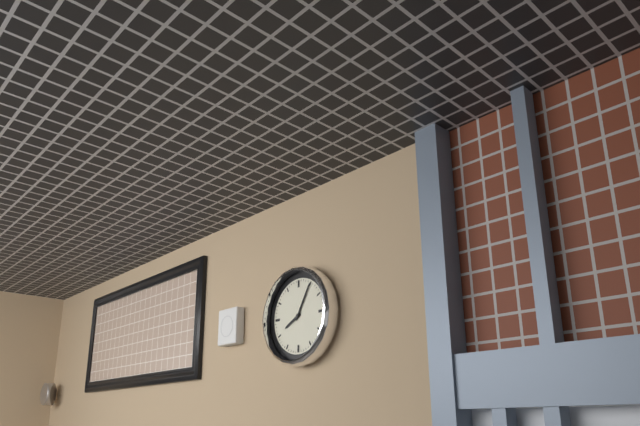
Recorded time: 8:05
